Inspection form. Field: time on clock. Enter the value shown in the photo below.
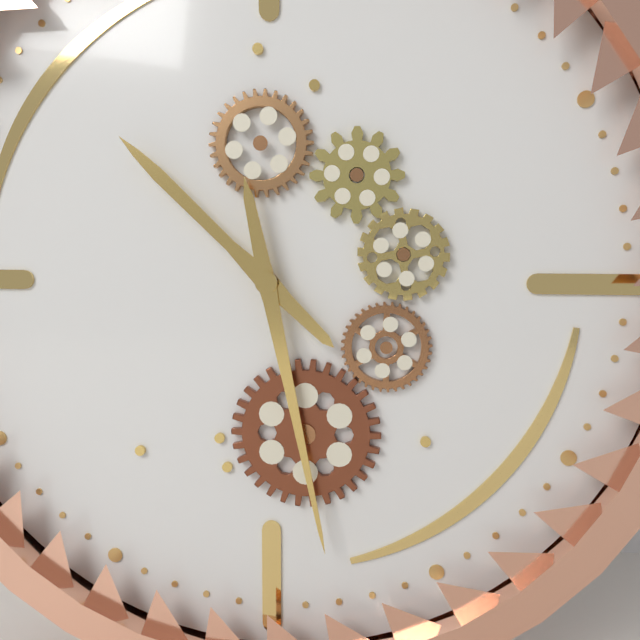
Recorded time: 10:28
